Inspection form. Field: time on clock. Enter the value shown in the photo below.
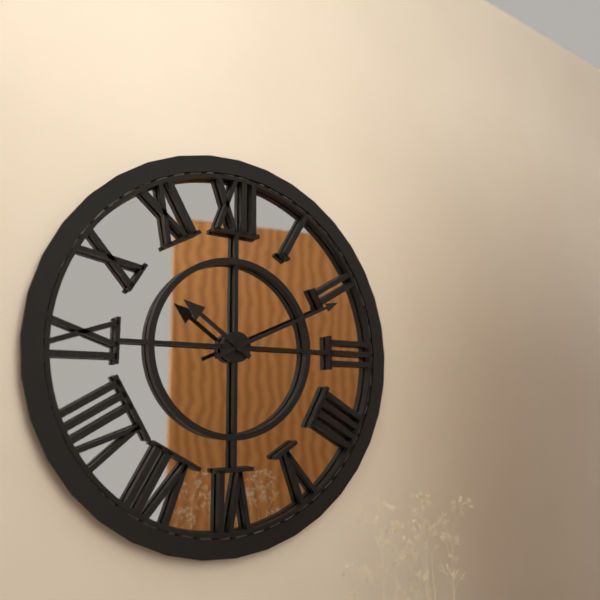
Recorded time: 10:11
